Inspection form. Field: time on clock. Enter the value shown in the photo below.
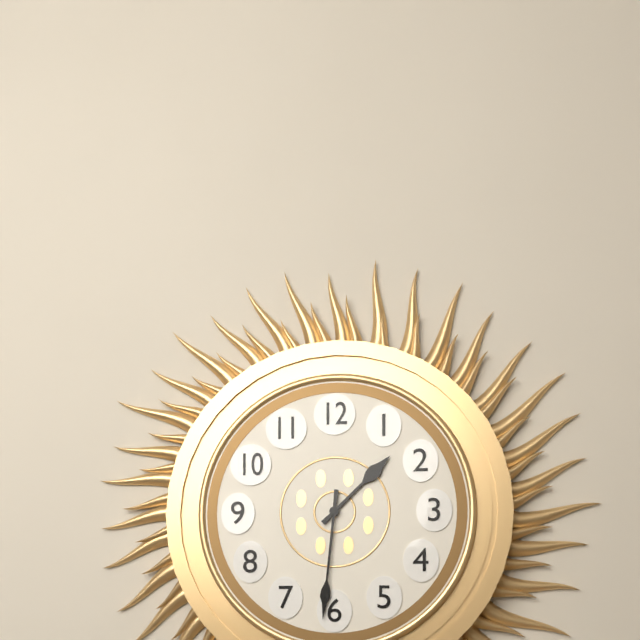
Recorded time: 1:31
